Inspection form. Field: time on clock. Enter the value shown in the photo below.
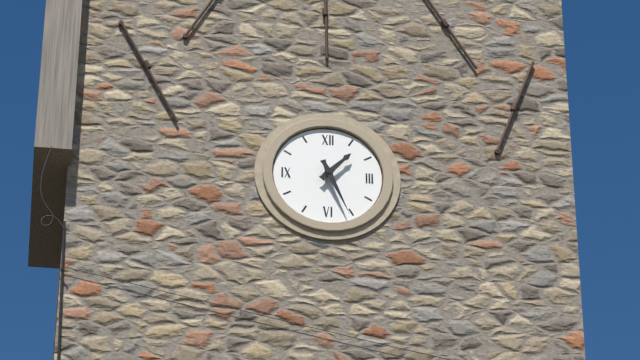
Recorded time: 1:26
